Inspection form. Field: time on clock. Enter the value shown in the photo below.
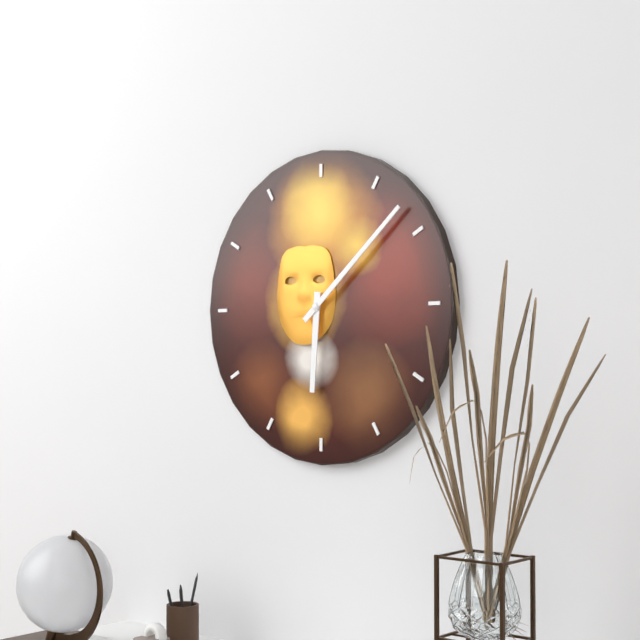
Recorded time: 6:08
